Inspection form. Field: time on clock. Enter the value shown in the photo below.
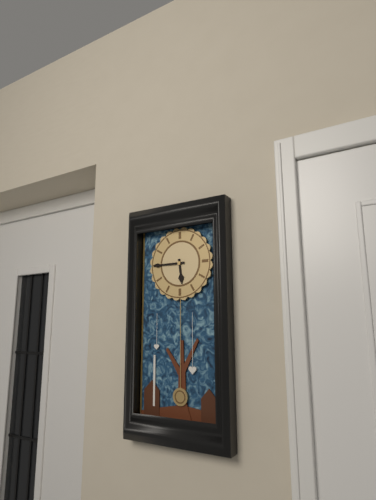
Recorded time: 5:45
